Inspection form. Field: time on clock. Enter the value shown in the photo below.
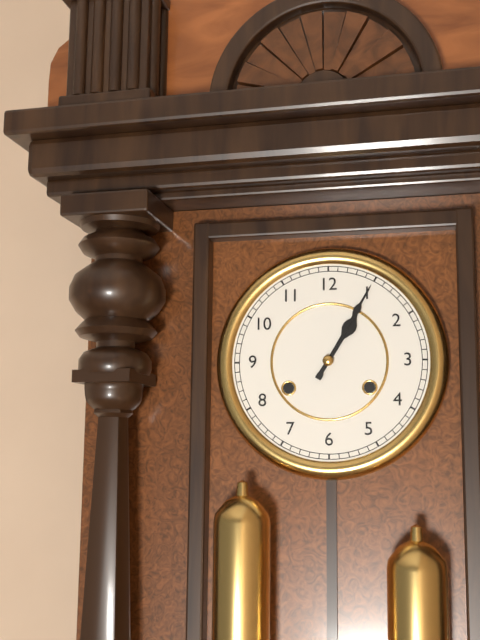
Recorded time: 1:05
